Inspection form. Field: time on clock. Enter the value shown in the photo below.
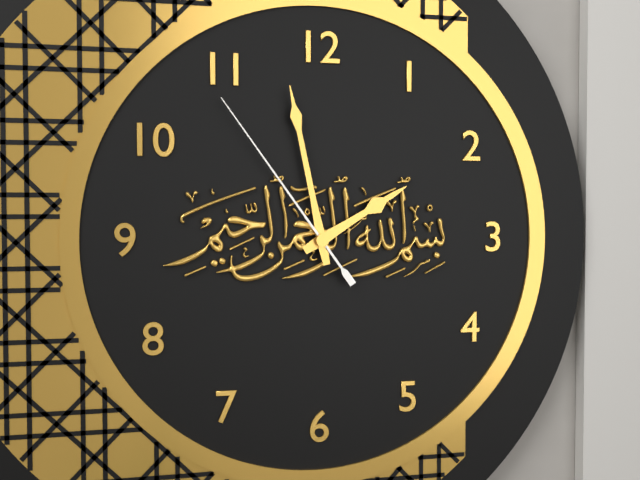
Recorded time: 1:58:54
